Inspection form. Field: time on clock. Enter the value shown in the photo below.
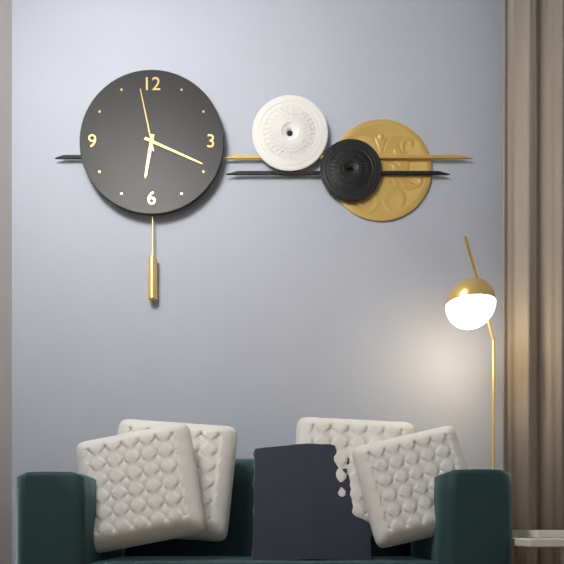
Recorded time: 6:19:58
